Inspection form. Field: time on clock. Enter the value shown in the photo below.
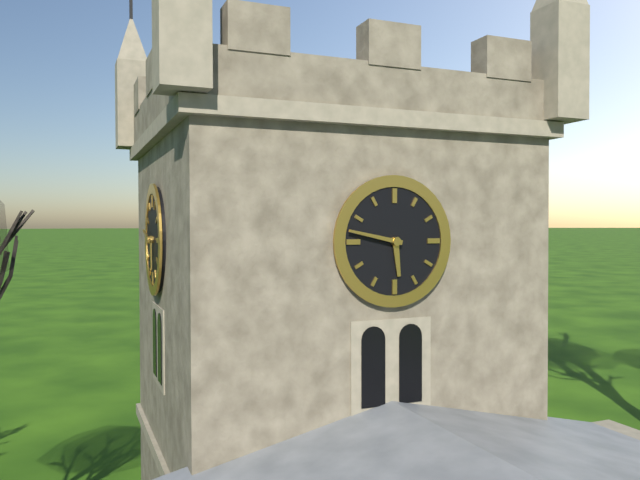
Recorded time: 5:47
